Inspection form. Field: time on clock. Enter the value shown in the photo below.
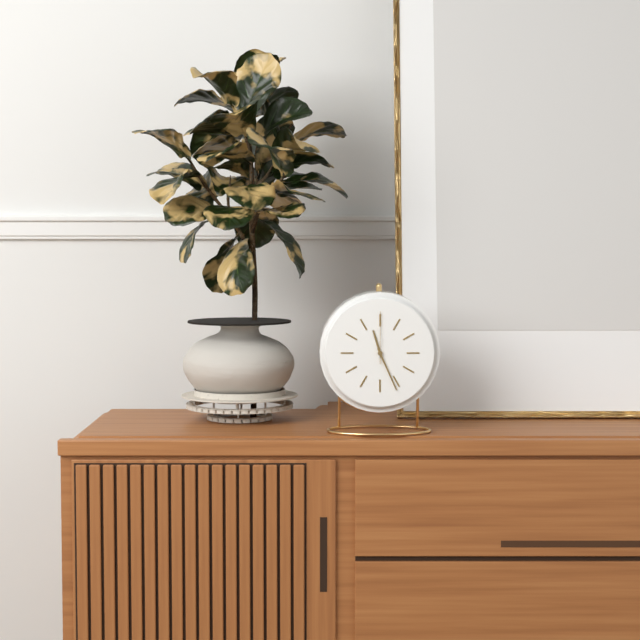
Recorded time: 11:26:00
